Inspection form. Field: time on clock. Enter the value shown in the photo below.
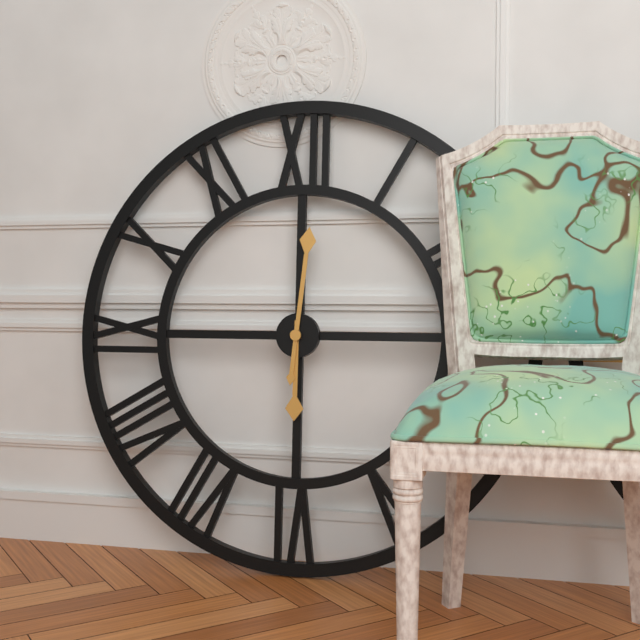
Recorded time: 6:01
